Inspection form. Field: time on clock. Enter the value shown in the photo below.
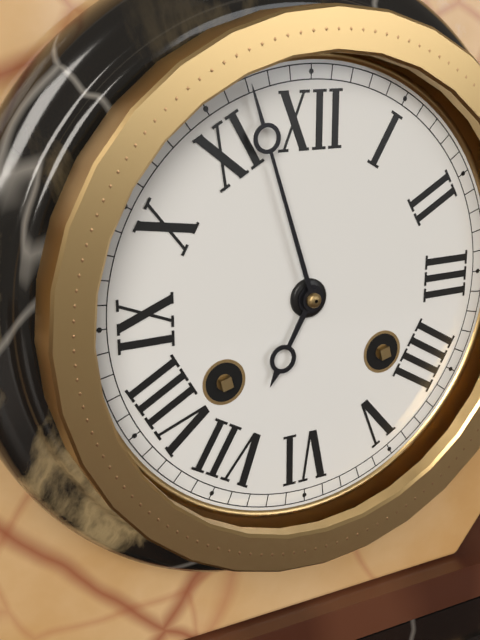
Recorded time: 6:57
